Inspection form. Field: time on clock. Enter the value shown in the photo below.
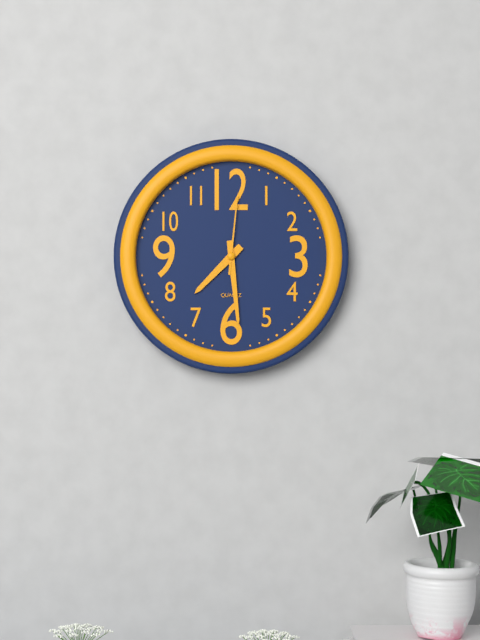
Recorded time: 7:29:01
